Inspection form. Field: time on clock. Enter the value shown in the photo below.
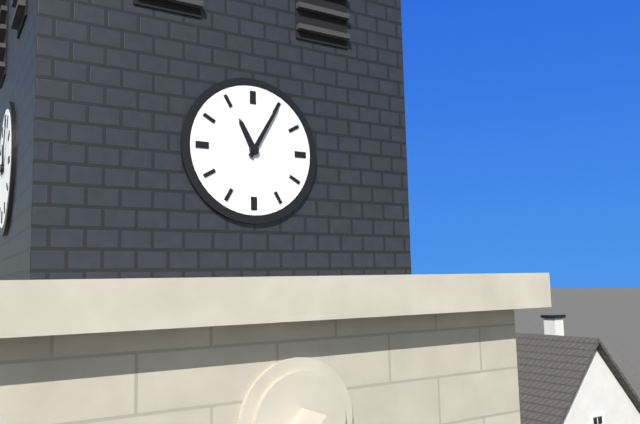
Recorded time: 11:05
